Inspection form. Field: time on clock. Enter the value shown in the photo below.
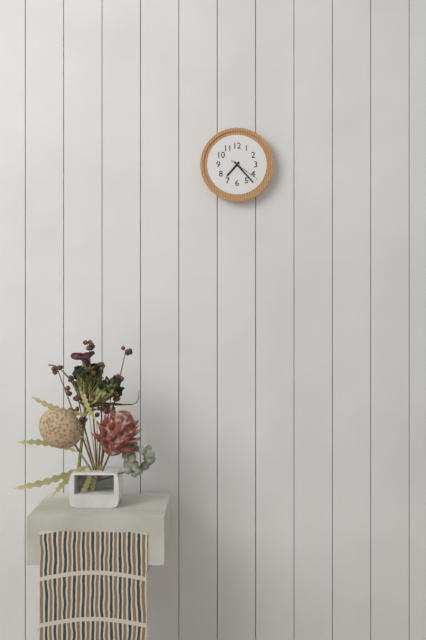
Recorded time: 7:23
